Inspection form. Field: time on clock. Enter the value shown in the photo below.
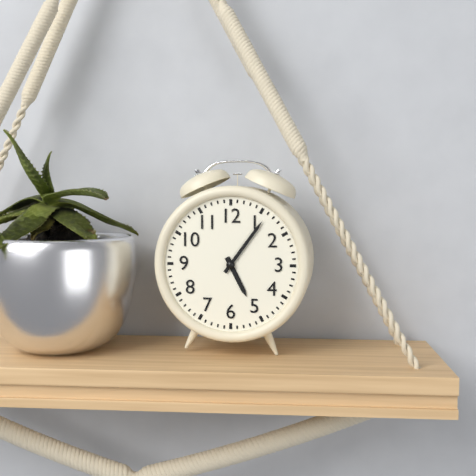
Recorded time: 5:06
